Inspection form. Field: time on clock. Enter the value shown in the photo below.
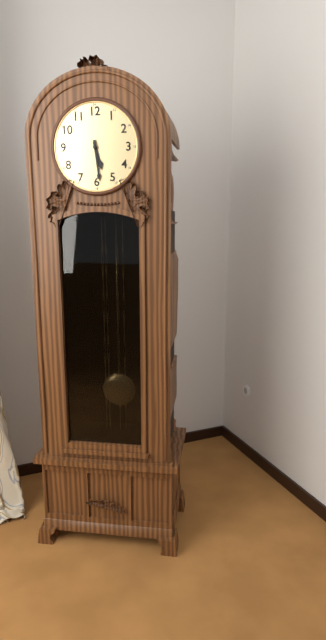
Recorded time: 5:29
